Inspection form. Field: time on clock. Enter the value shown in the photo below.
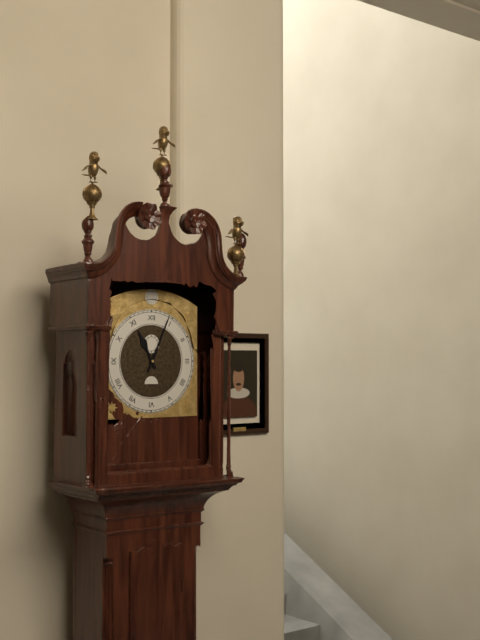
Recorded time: 11:04
